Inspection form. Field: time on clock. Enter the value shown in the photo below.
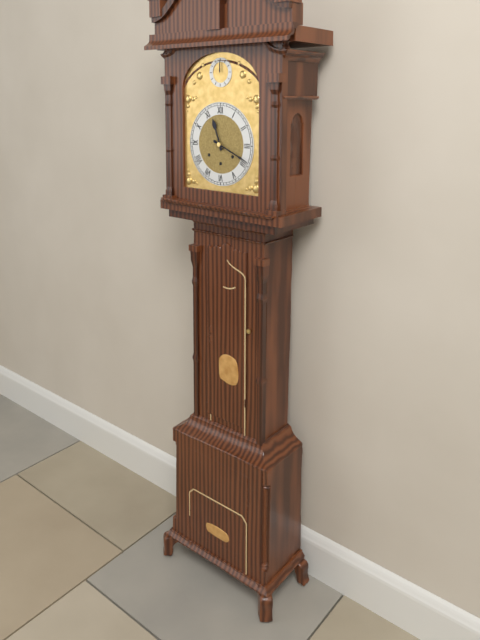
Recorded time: 11:19
